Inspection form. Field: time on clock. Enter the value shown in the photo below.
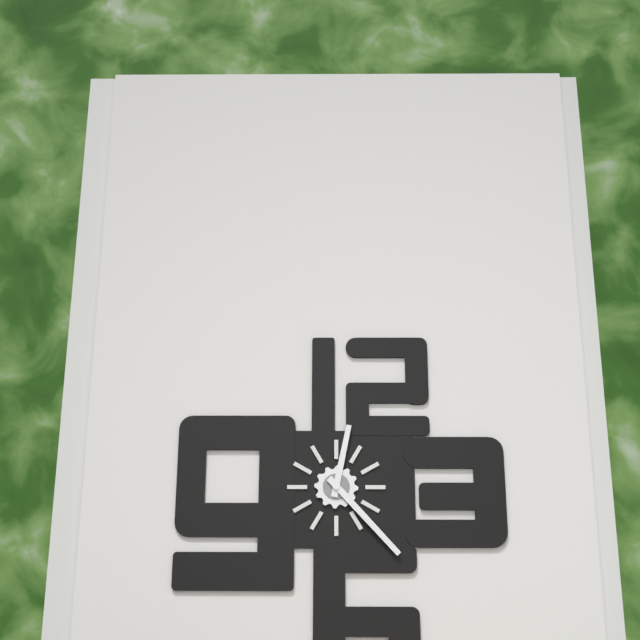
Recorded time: 12:23
